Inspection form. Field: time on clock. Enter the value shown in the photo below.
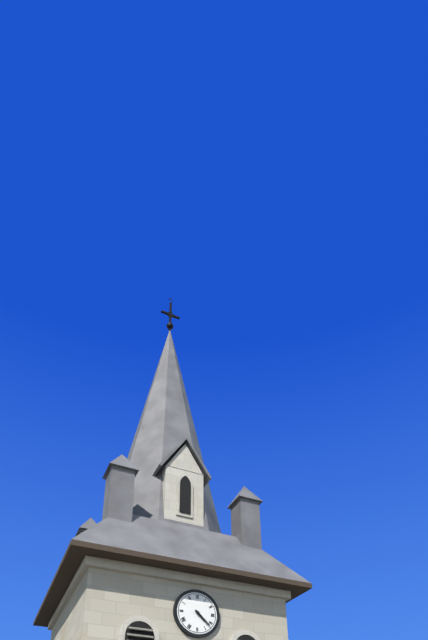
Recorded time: 4:22
